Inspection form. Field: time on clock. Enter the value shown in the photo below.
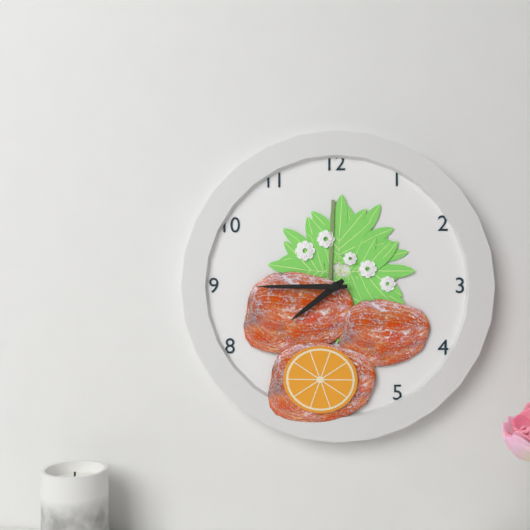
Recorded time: 7:45
